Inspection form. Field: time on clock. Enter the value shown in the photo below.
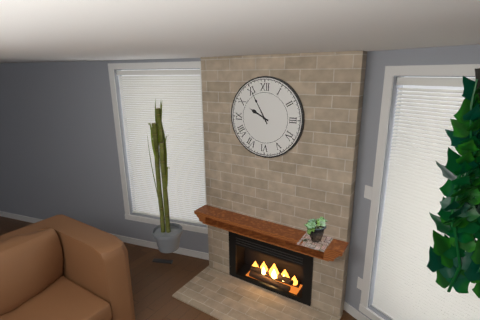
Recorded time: 9:55
